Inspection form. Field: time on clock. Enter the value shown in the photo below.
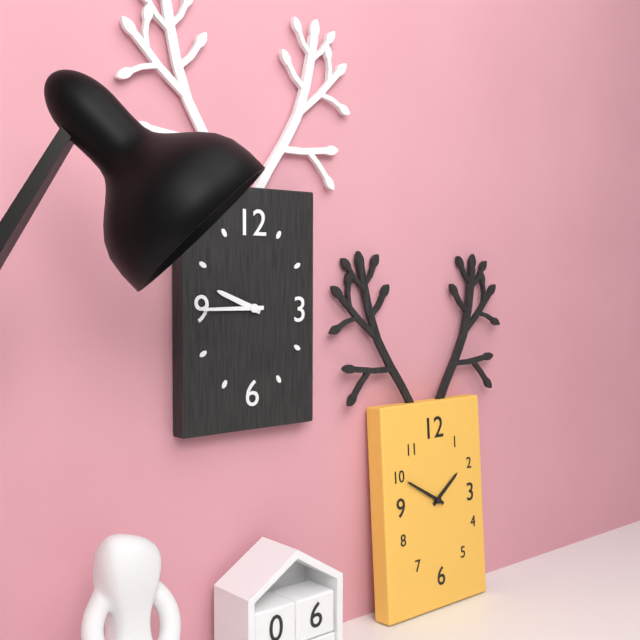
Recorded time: 9:45
